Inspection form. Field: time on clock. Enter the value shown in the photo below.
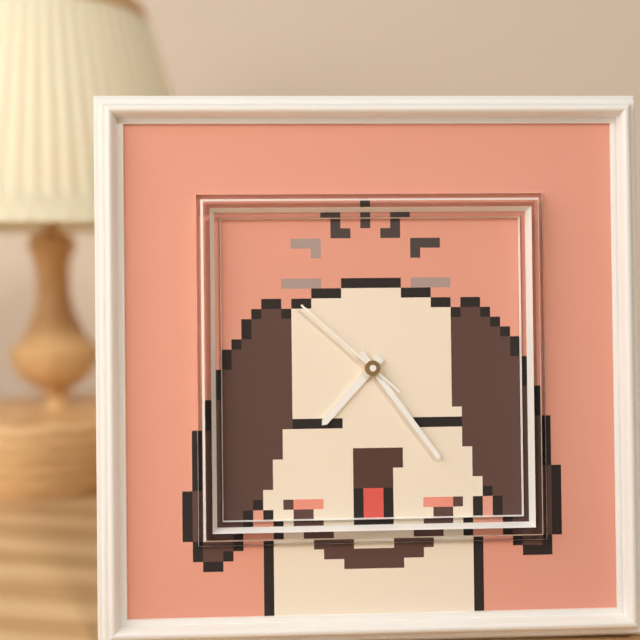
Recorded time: 7:24:52
